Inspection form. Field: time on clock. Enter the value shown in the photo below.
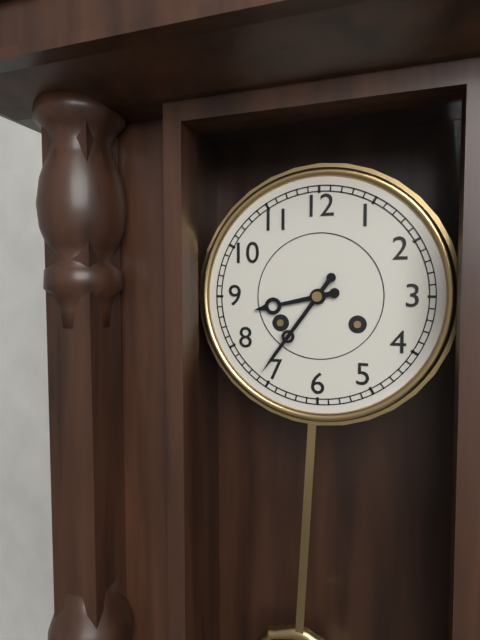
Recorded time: 8:36
